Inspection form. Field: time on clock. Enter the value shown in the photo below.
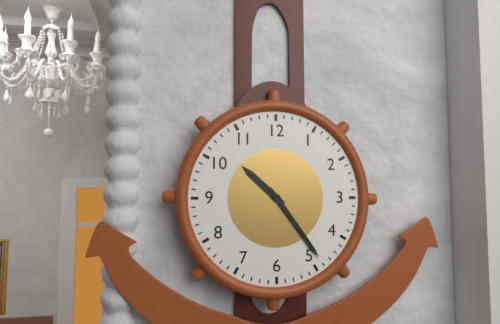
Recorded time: 10:24
